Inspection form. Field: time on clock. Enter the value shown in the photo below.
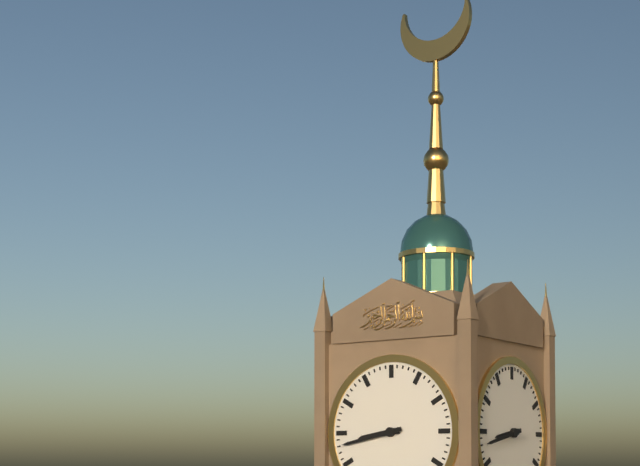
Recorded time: 8:43
